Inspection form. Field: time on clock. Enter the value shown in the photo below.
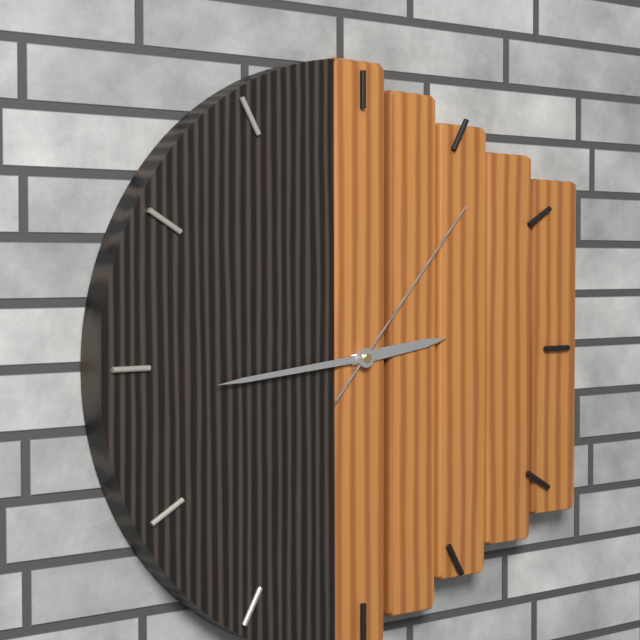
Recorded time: 2:44:07
